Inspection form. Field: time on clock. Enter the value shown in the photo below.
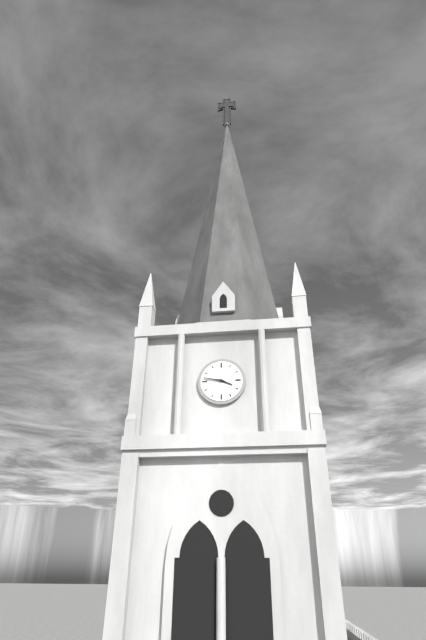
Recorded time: 3:47
